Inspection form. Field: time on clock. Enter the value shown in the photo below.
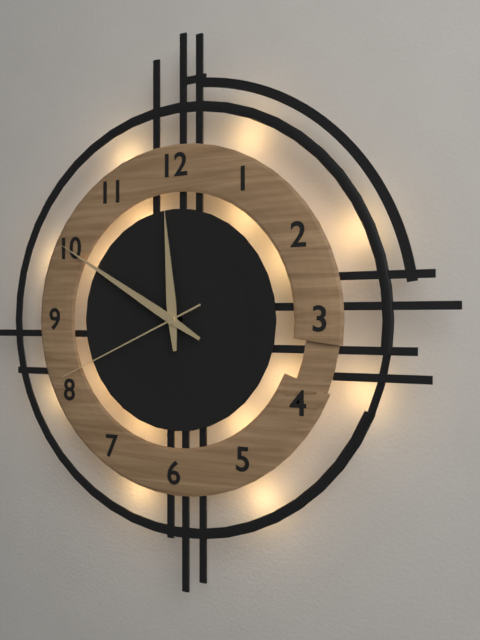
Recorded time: 11:50:41
